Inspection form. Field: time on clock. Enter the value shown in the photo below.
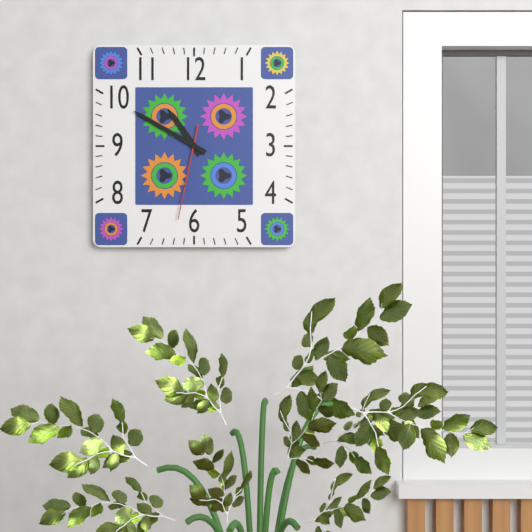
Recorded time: 10:50:32
